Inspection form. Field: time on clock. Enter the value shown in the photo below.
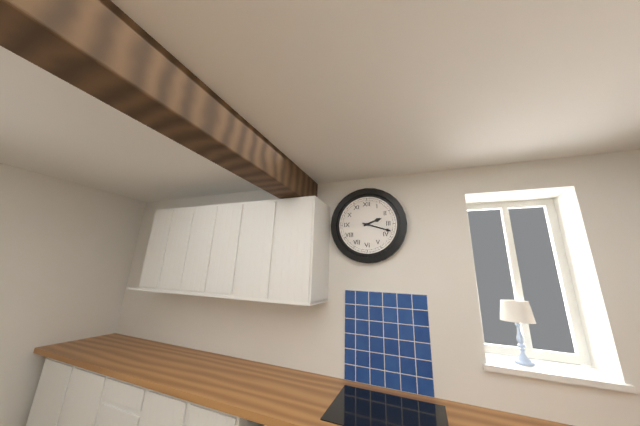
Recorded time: 2:18
